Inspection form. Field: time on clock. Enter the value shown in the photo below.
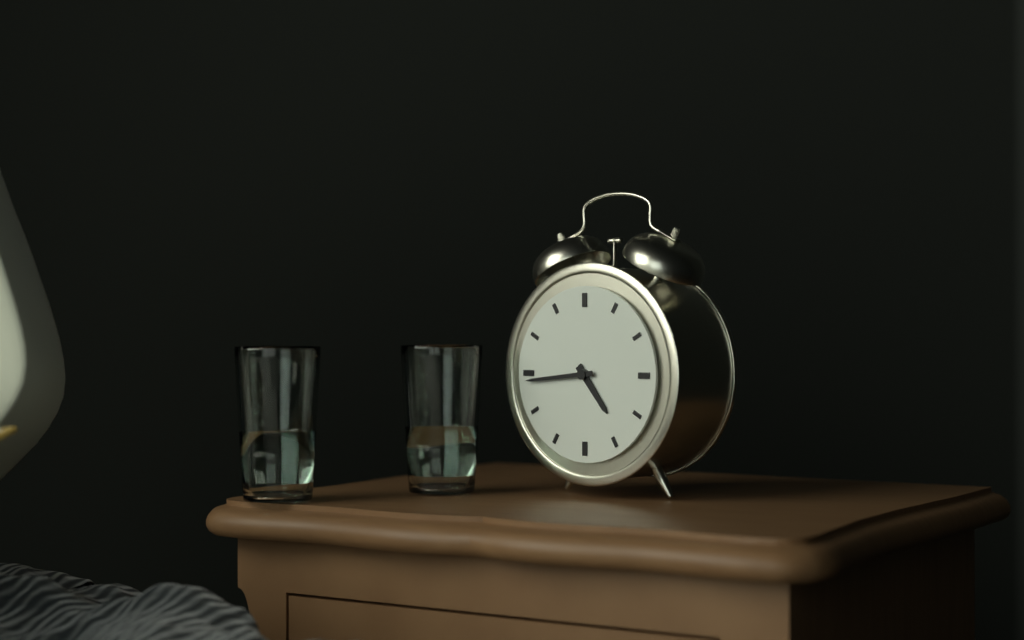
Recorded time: 4:44
